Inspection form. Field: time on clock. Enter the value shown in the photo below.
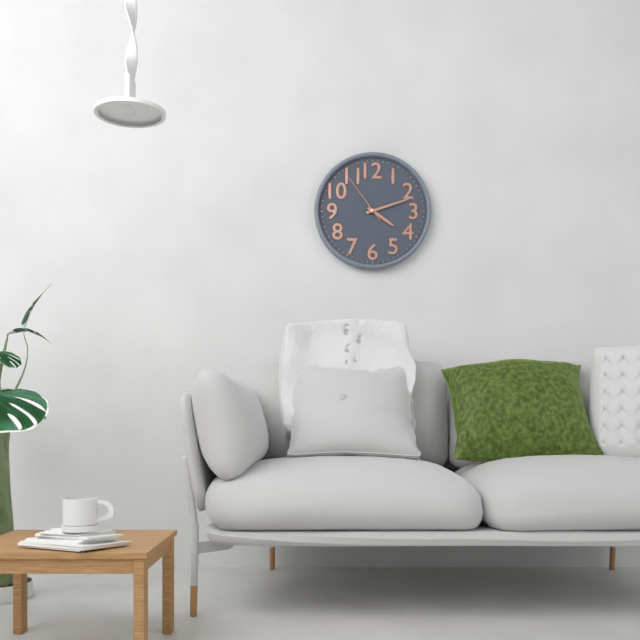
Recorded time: 4:12:54
